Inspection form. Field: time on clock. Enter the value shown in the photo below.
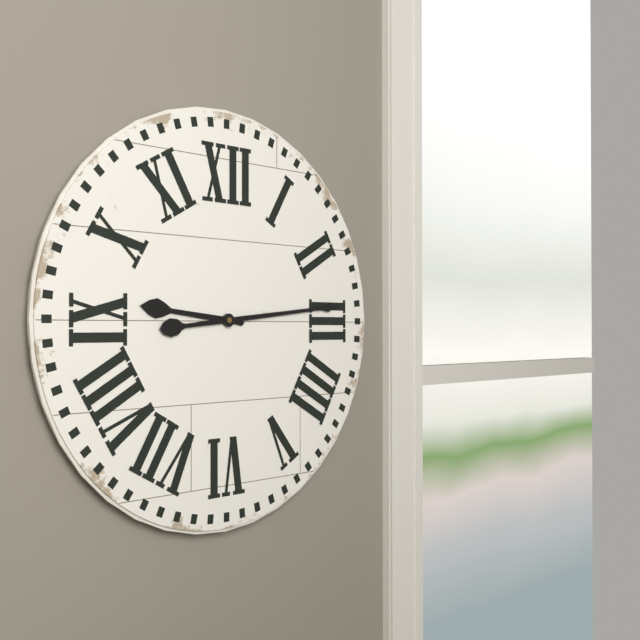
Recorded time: 9:14
